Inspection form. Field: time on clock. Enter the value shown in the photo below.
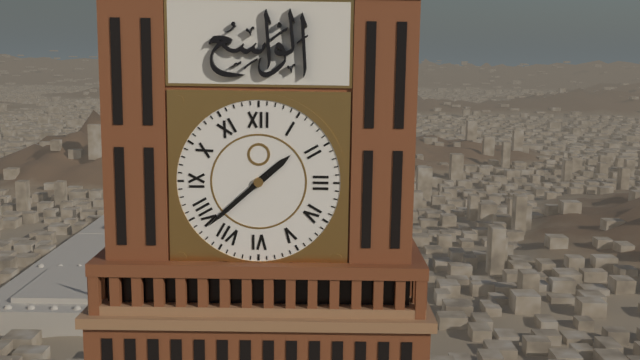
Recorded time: 1:38
